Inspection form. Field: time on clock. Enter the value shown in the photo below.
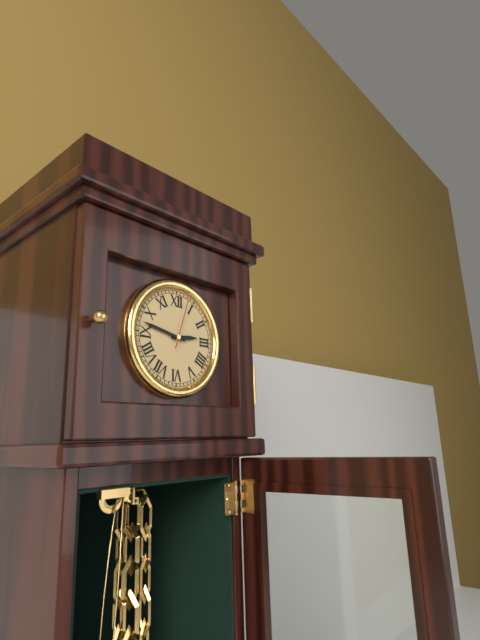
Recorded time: 2:47:03
